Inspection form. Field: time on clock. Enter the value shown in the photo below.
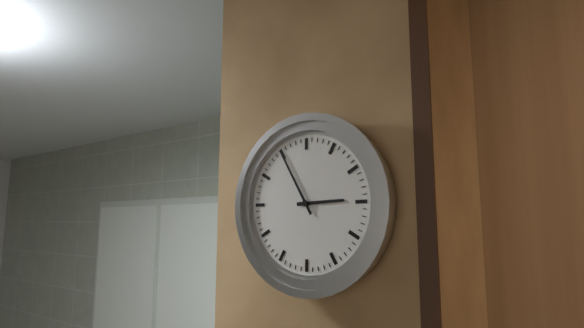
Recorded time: 2:55
